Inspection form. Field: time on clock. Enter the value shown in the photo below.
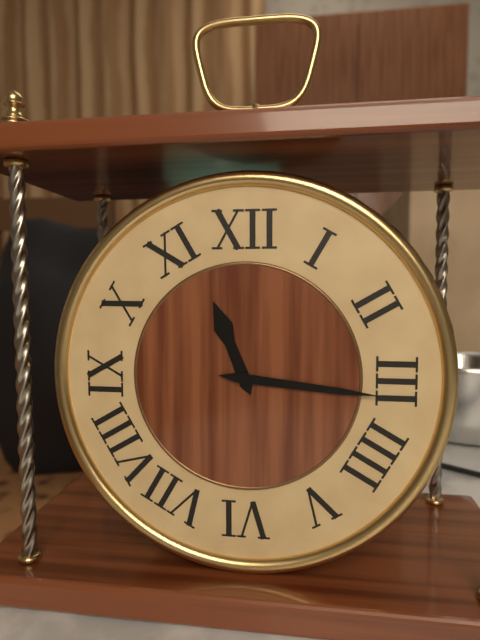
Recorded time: 11:16
